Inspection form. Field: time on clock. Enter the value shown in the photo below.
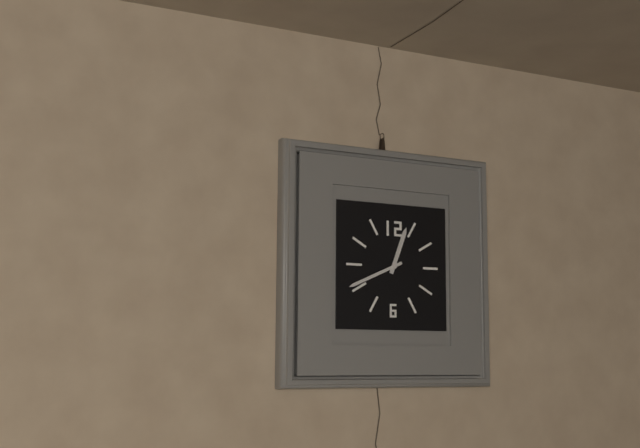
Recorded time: 12:41
